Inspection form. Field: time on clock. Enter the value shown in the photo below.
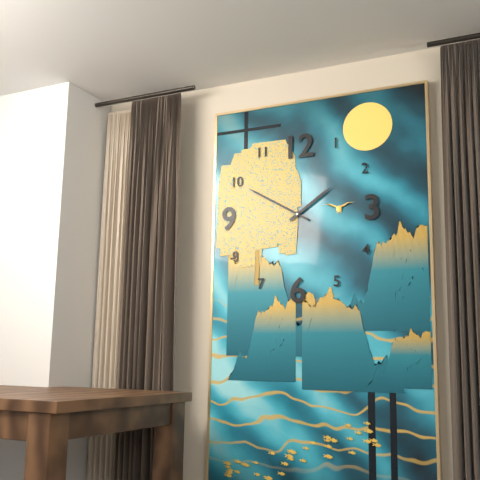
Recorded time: 1:50
